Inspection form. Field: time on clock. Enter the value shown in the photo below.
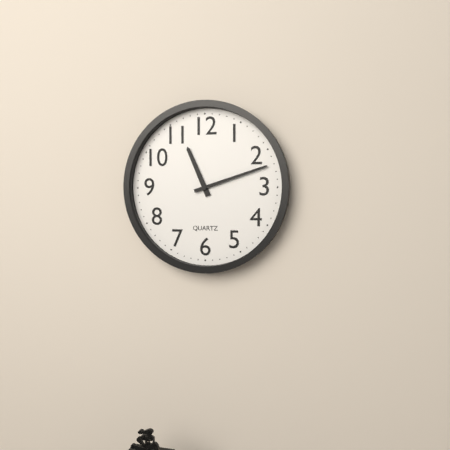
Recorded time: 11:12
